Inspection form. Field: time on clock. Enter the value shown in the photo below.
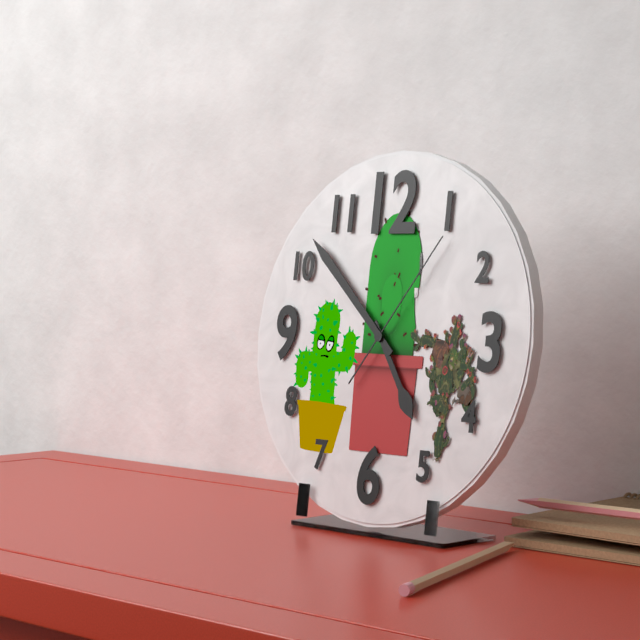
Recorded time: 4:52:06
